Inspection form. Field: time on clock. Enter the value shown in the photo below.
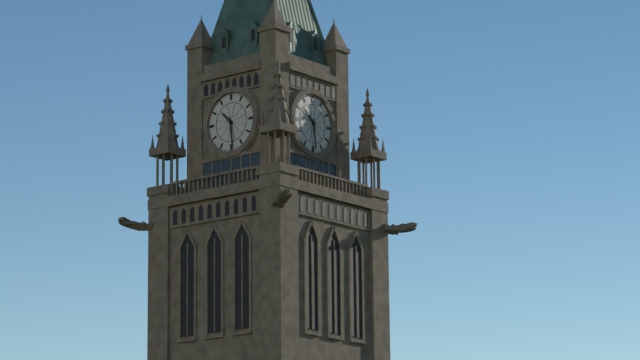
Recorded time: 10:29
